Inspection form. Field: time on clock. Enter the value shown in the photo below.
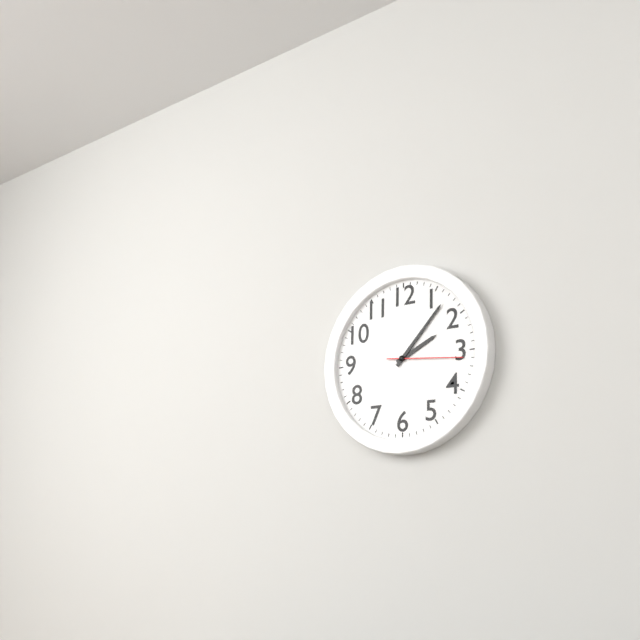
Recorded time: 2:07:16
